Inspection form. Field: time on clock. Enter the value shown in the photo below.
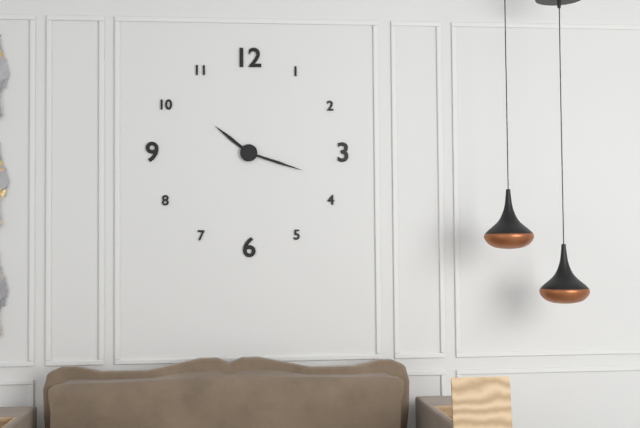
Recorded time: 10:18
